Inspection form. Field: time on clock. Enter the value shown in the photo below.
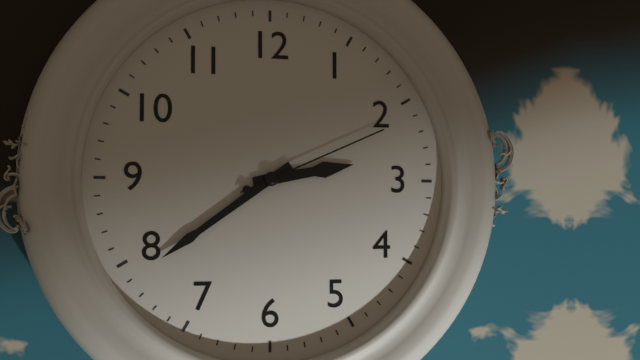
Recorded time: 2:39:11
